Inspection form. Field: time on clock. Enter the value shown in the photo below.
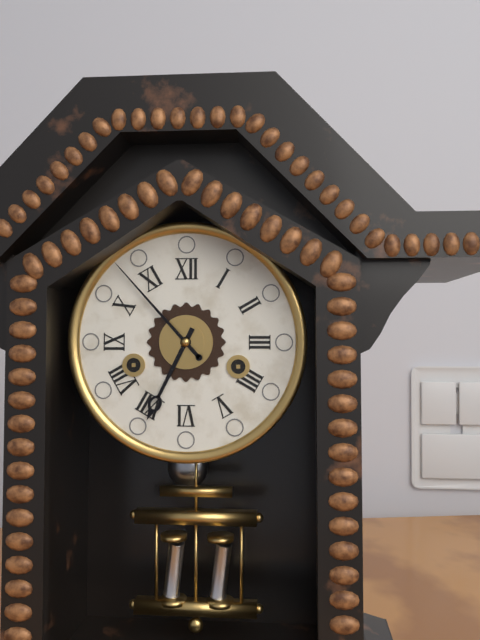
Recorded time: 6:53
